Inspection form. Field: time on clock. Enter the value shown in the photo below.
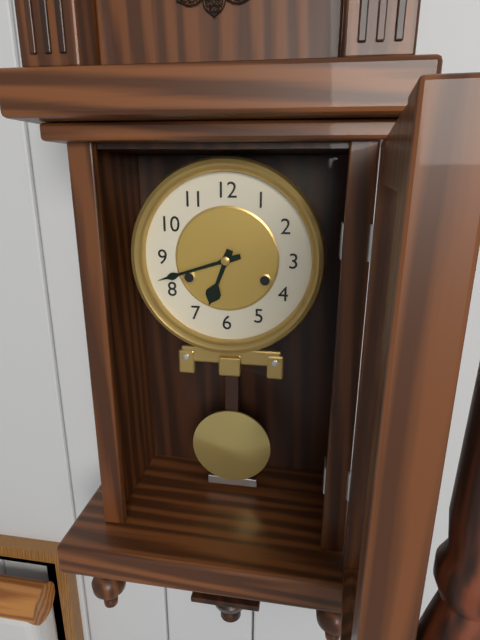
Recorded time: 6:42
